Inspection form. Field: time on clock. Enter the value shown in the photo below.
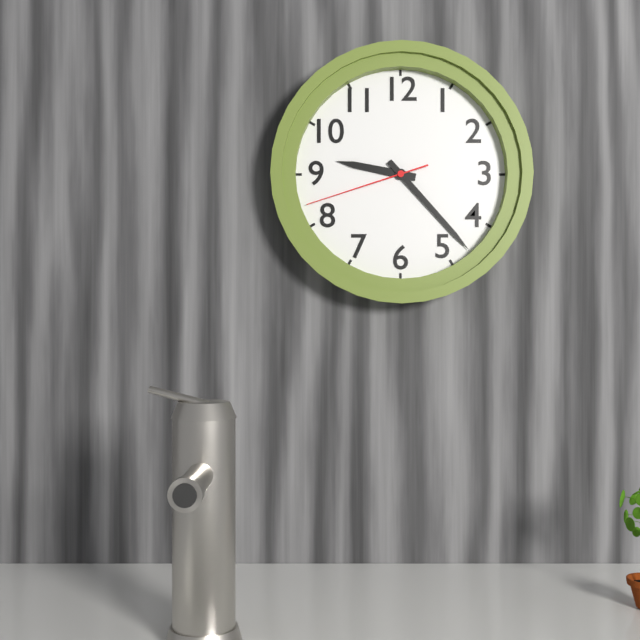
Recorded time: 9:23:42
